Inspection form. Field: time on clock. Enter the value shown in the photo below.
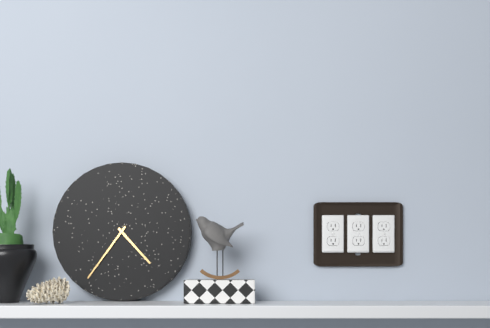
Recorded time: 4:36
